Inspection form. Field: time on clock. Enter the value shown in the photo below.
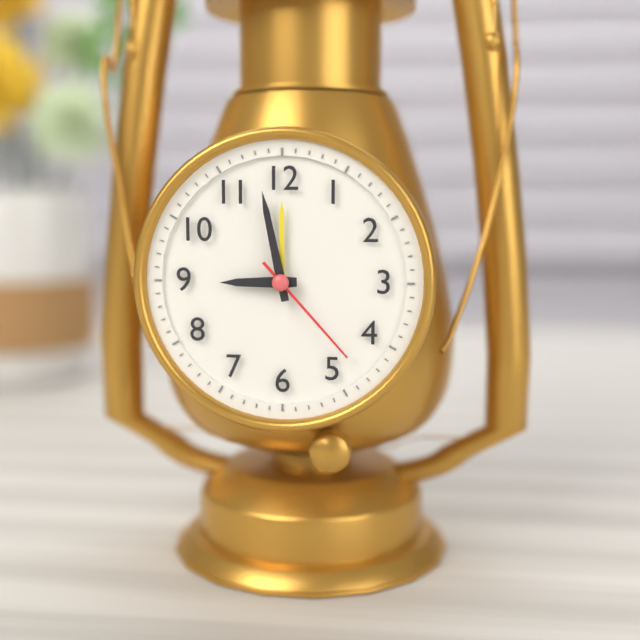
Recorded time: 8:58:23
